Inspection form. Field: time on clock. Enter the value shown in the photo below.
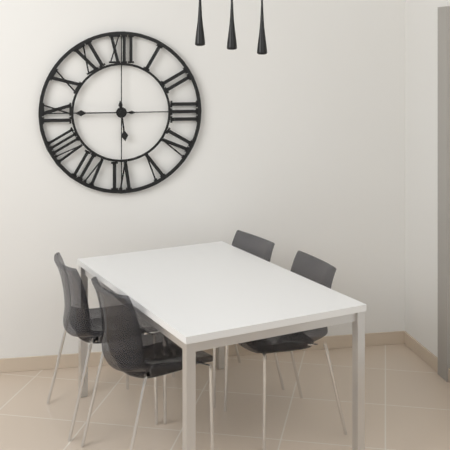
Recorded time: 5:45
